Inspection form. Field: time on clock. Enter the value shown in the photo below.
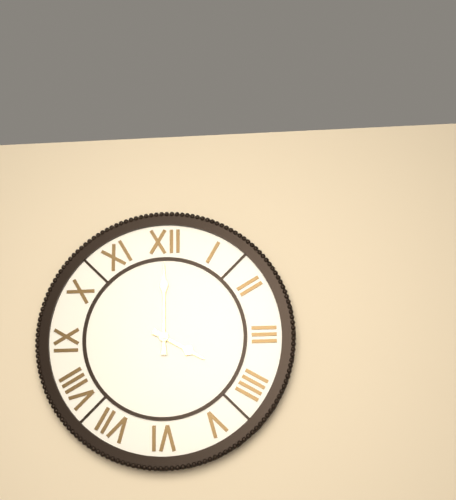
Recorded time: 4:00
